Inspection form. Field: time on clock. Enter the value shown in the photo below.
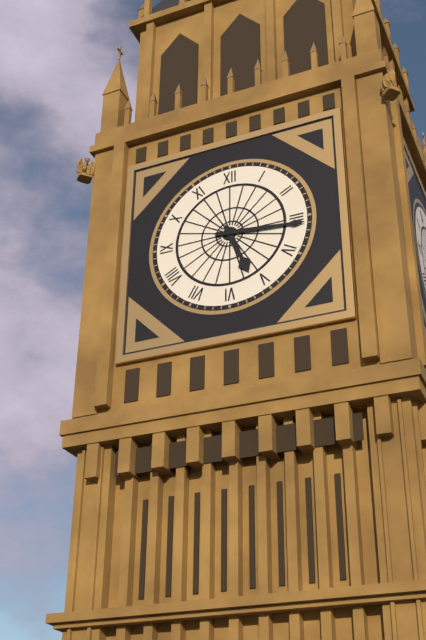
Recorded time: 5:16
